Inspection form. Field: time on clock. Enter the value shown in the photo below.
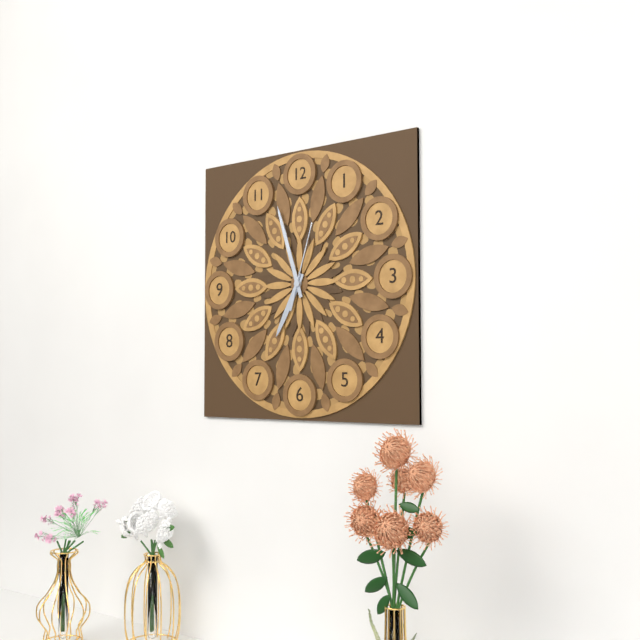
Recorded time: 6:57:03
